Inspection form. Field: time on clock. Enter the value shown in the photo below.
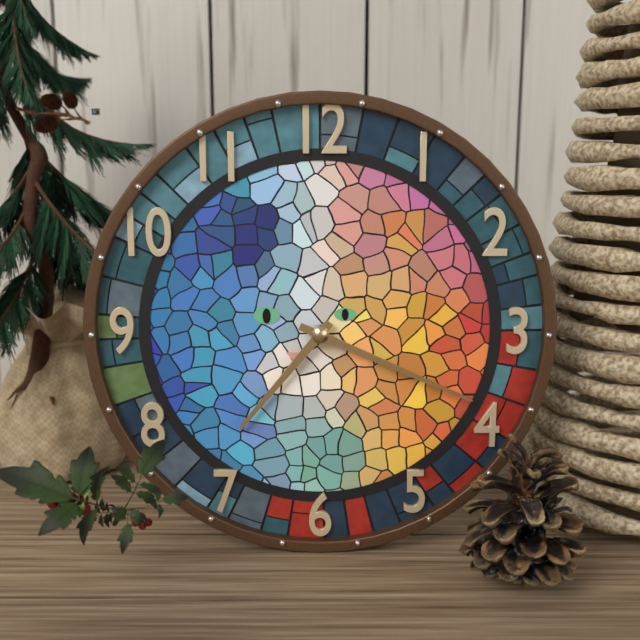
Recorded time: 7:19
